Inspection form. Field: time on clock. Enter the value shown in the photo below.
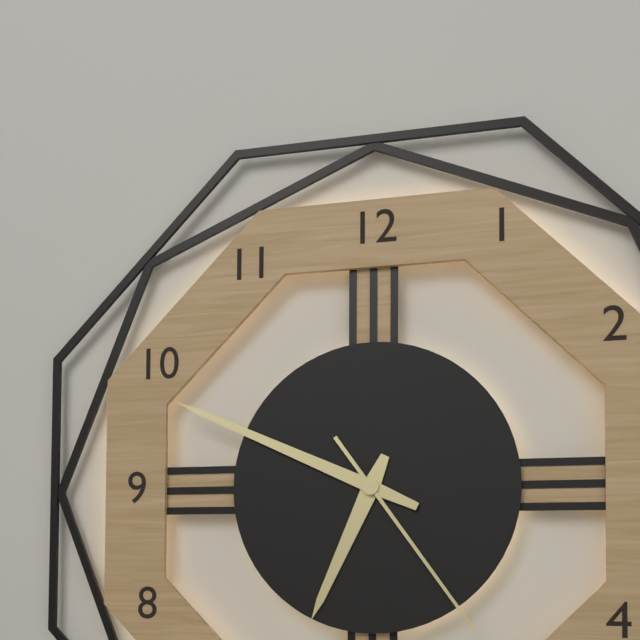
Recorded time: 6:49:24
